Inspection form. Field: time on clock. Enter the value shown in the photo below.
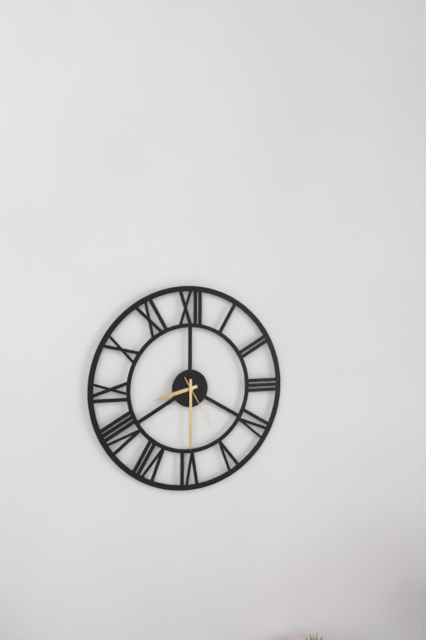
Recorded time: 8:30:25
